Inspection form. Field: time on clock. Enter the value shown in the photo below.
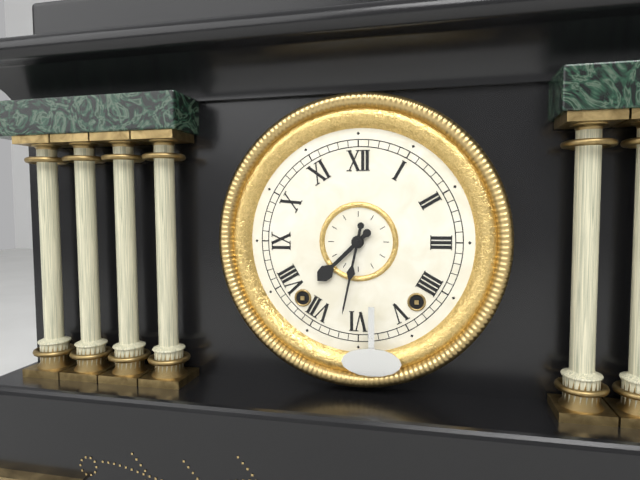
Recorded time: 7:32
